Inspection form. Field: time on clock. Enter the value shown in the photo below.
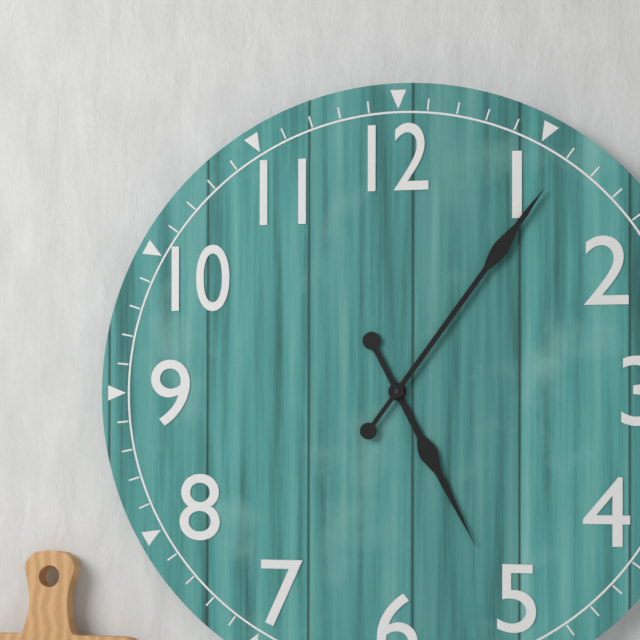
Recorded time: 5:06
